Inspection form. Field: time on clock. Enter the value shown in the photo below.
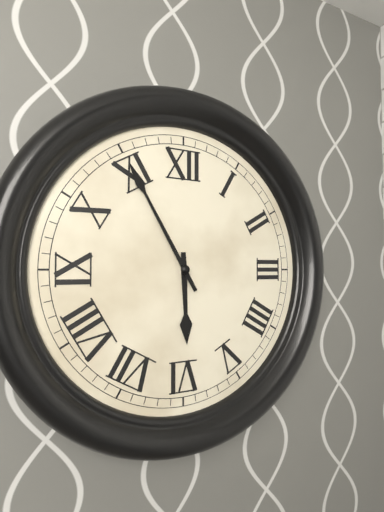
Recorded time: 5:55
